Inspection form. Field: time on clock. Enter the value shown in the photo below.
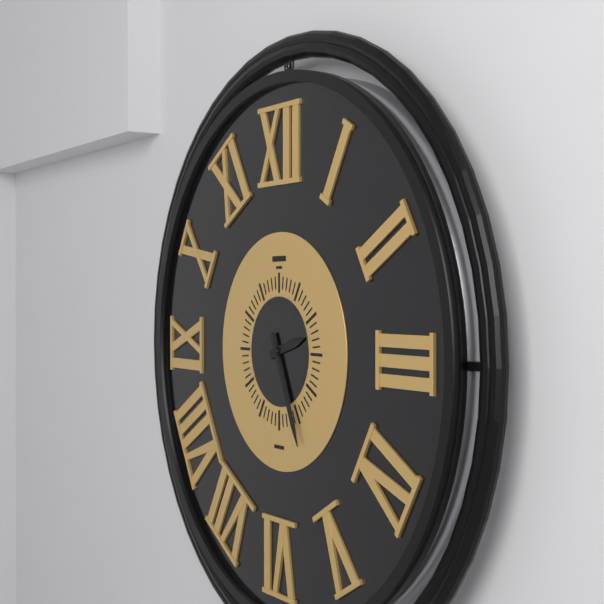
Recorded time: 2:26
